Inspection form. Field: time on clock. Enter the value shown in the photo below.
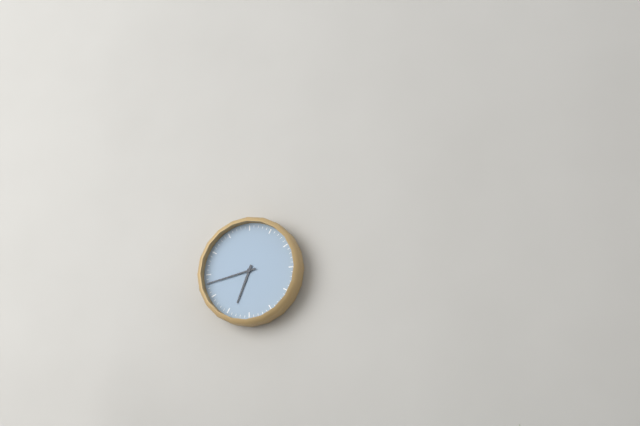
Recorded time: 6:43
